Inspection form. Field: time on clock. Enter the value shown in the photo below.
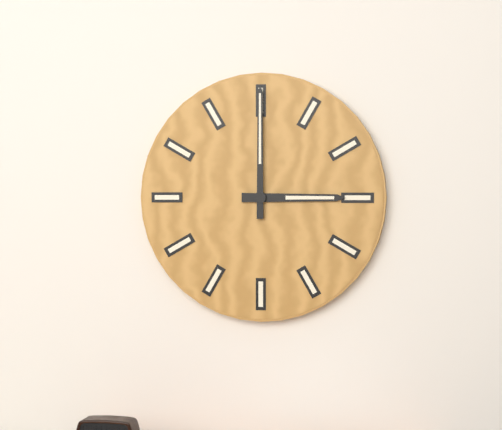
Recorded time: 3:00
